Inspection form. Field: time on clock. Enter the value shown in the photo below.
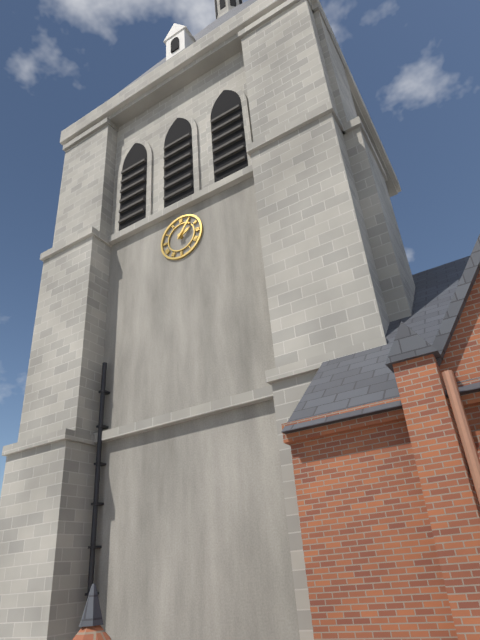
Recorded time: 2:06
